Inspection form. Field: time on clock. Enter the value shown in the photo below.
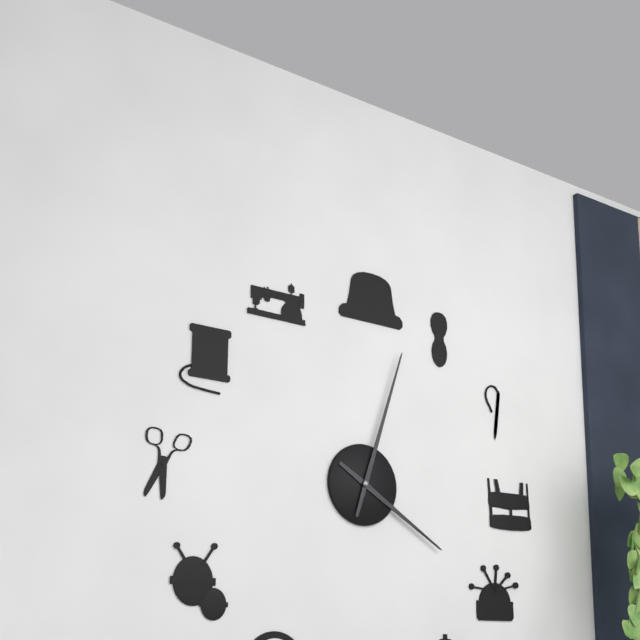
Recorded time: 4:03
